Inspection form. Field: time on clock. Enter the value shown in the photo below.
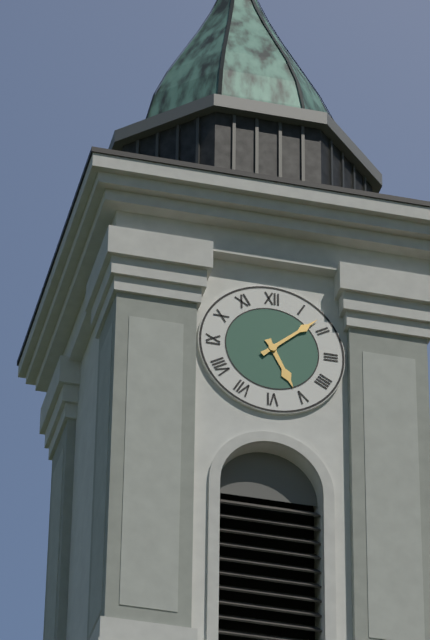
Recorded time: 5:08
